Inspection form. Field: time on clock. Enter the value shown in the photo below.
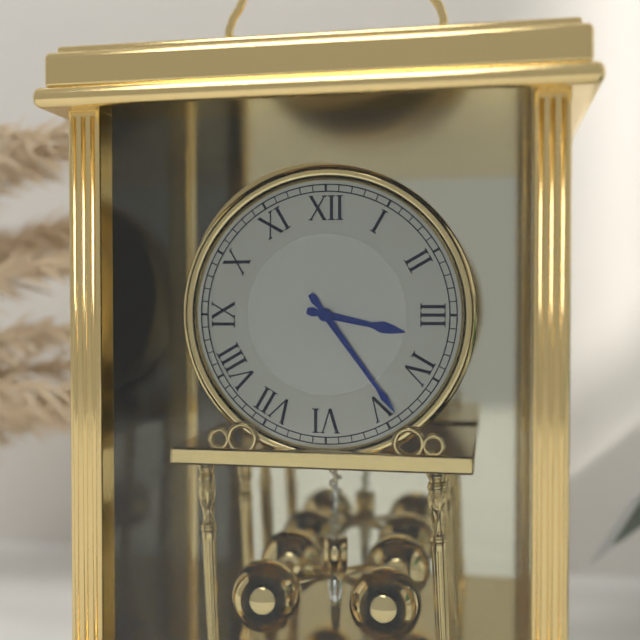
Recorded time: 3:24
